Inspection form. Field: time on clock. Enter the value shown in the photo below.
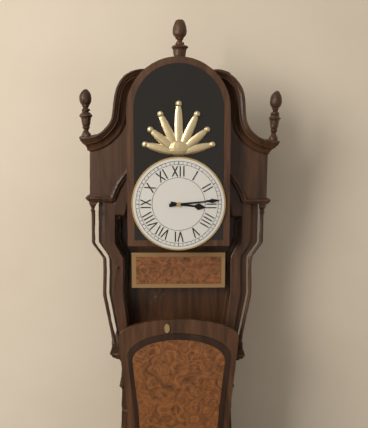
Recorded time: 3:14
